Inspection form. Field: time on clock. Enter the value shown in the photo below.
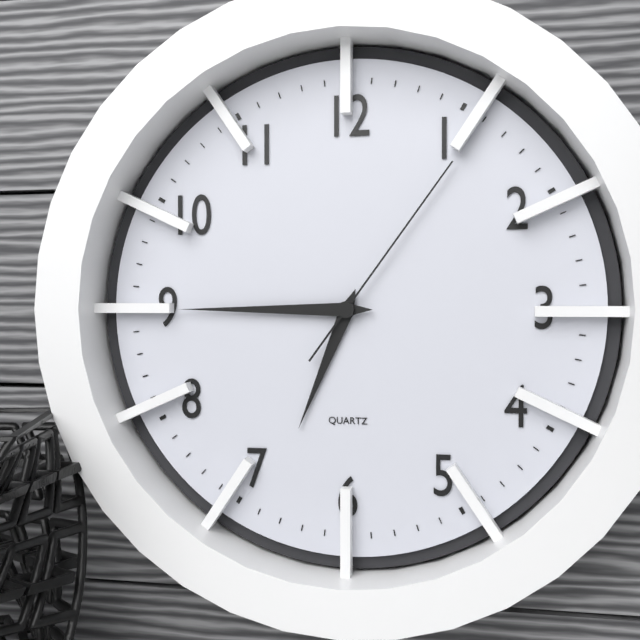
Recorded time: 6:45:06
